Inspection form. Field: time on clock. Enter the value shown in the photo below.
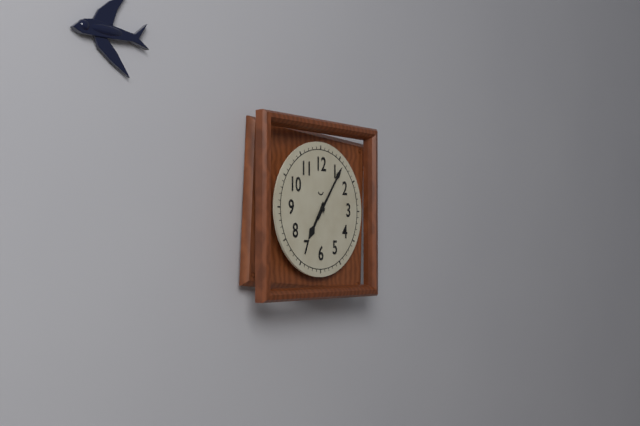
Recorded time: 7:06
